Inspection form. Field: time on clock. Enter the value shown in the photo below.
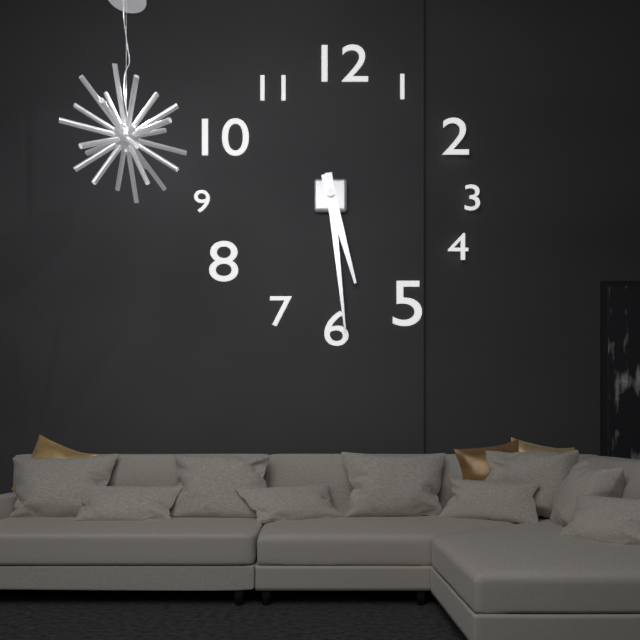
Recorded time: 5:29
